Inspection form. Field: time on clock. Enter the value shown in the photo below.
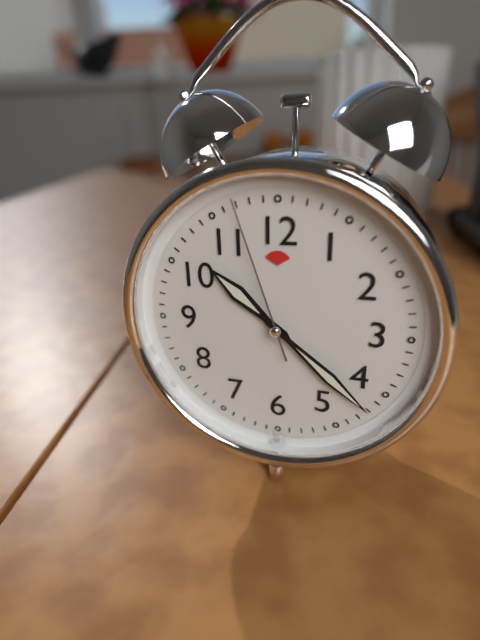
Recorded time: 10:22:57
